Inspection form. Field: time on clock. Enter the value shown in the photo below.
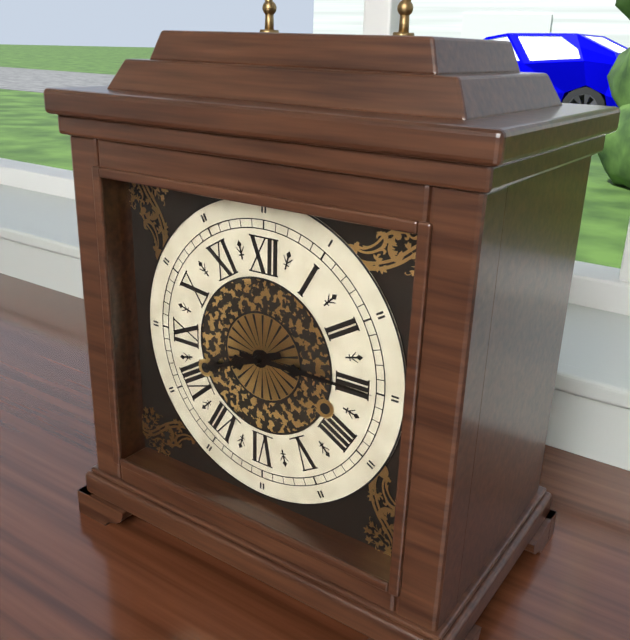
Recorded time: 8:15
